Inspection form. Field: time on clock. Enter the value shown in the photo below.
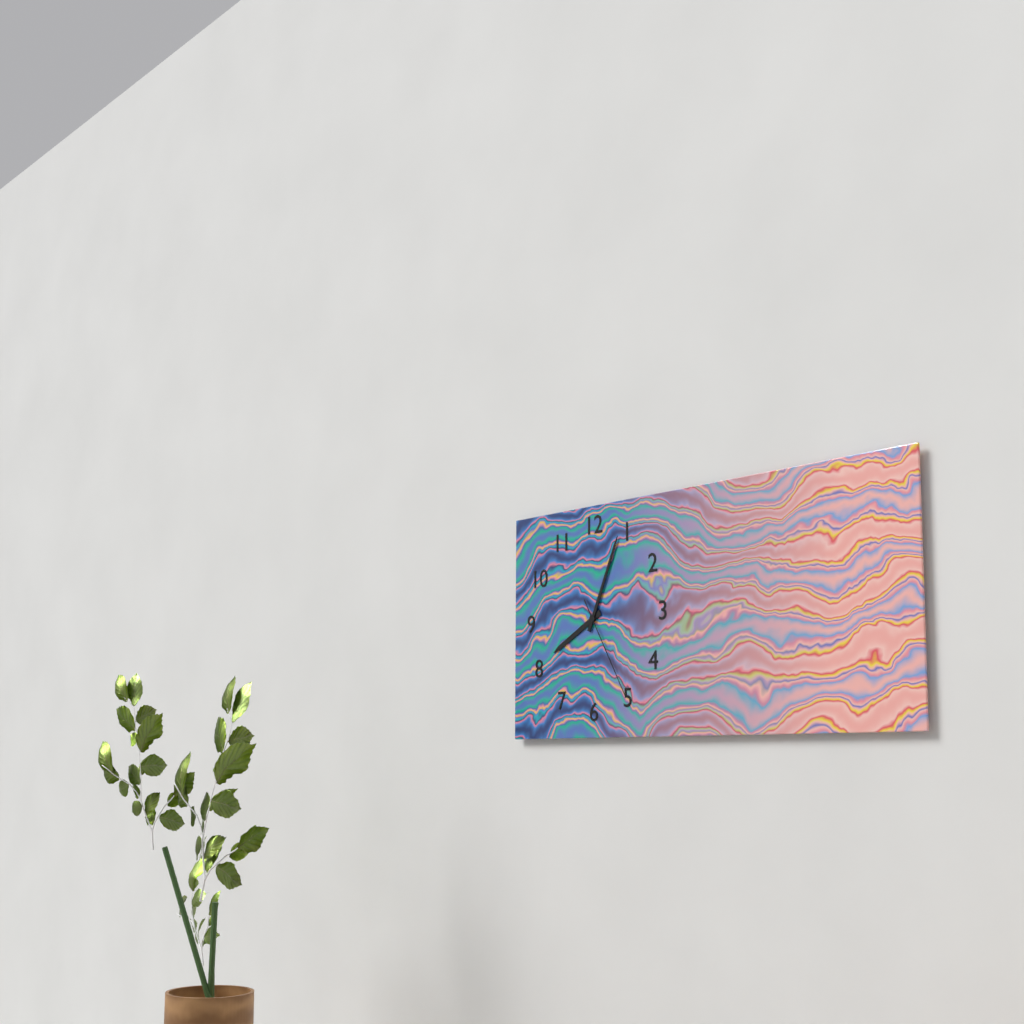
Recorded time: 8:04:25
